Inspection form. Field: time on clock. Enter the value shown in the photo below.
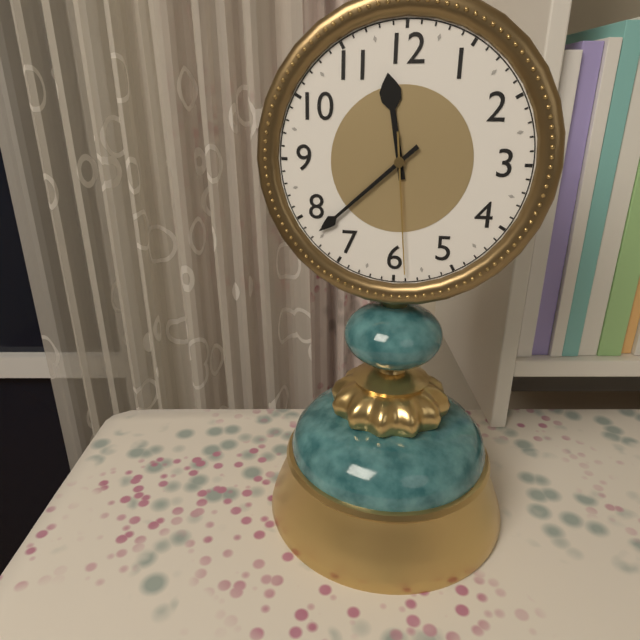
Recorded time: 11:38:29
